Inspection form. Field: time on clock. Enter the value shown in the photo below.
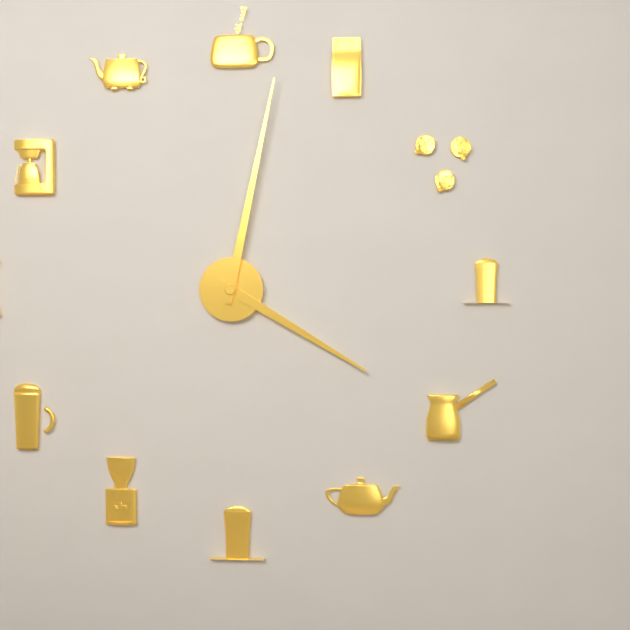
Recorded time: 4:02
